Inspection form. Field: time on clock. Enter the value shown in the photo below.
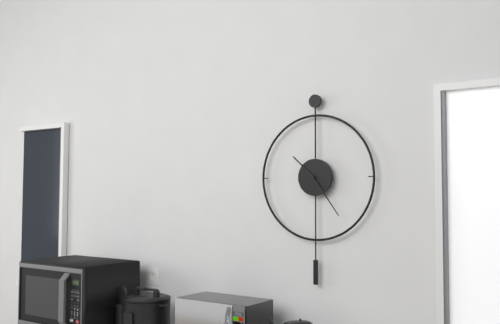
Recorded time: 10:24
